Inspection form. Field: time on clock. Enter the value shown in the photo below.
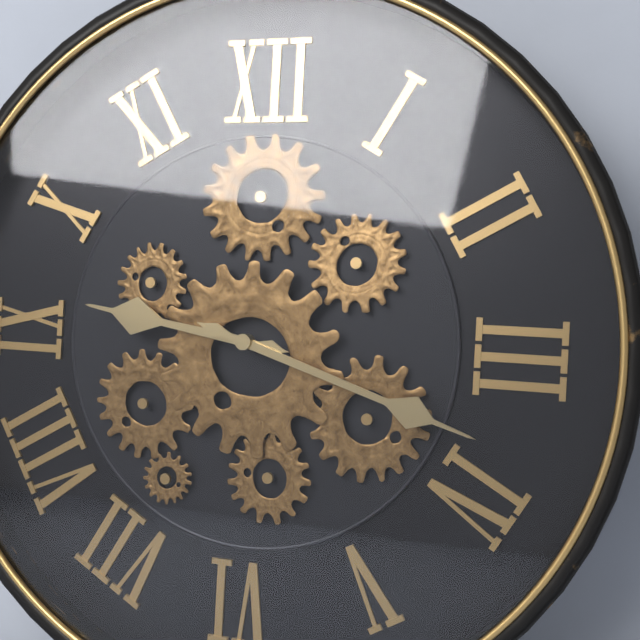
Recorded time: 9:18
